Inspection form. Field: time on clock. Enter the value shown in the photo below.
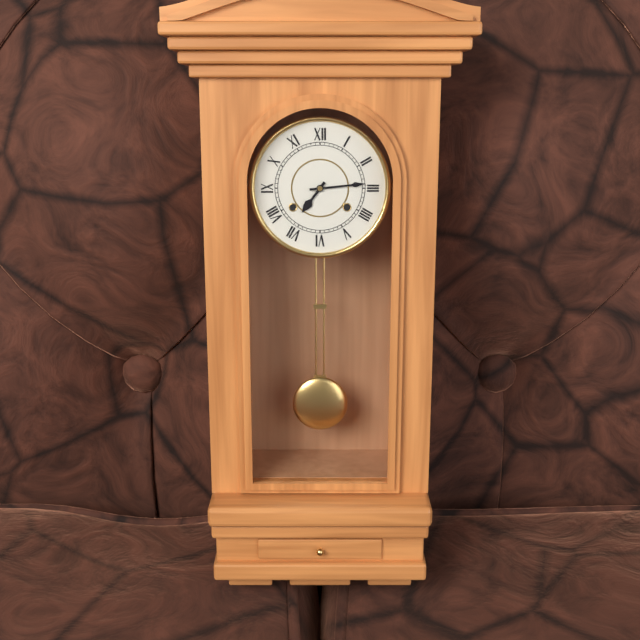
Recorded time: 7:14
